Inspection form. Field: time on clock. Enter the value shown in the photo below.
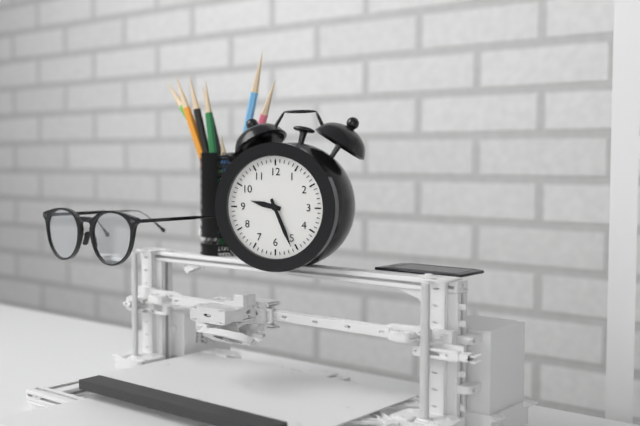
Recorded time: 9:26
